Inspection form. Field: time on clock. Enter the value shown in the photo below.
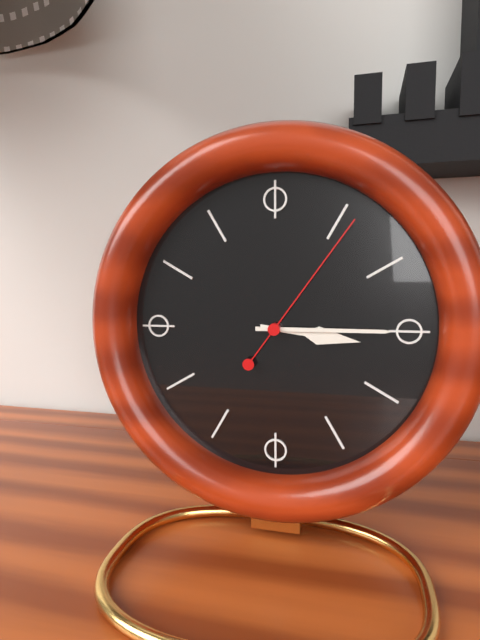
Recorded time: 3:15:06
